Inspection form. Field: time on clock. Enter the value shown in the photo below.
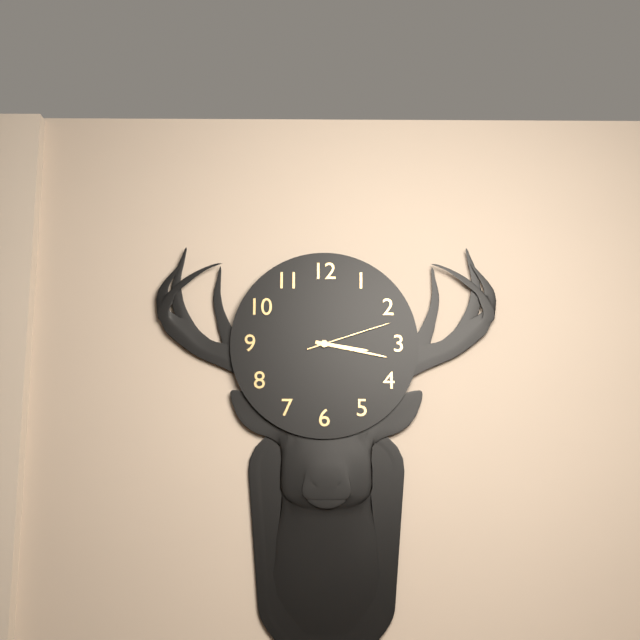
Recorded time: 3:17:12
